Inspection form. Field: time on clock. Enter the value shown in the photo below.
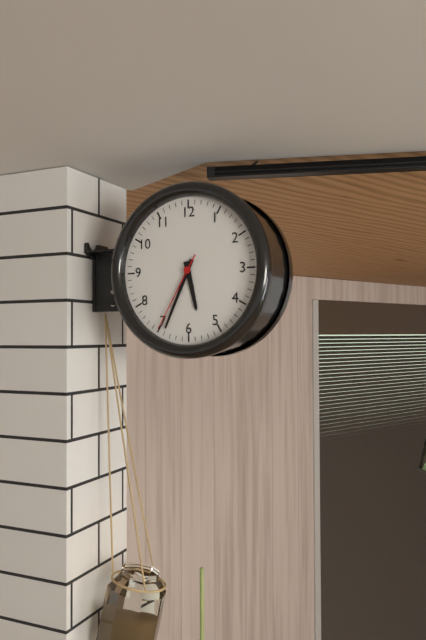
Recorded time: 5:34:35
